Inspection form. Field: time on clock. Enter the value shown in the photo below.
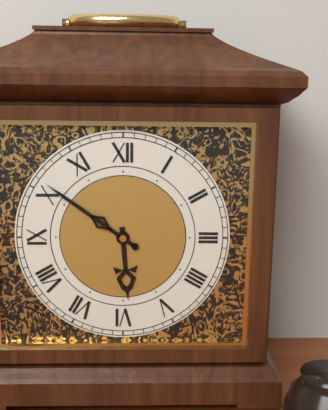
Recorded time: 5:51
